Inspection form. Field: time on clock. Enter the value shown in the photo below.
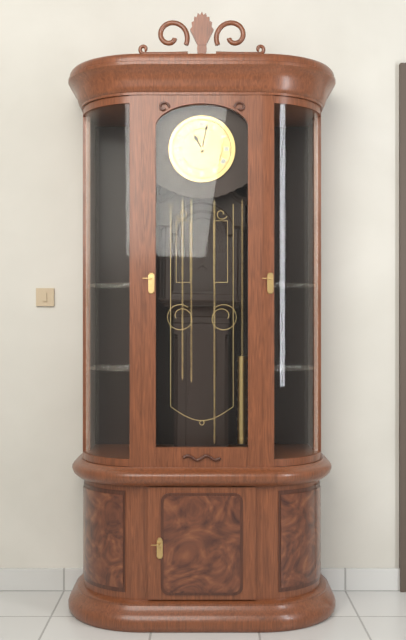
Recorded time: 11:02
